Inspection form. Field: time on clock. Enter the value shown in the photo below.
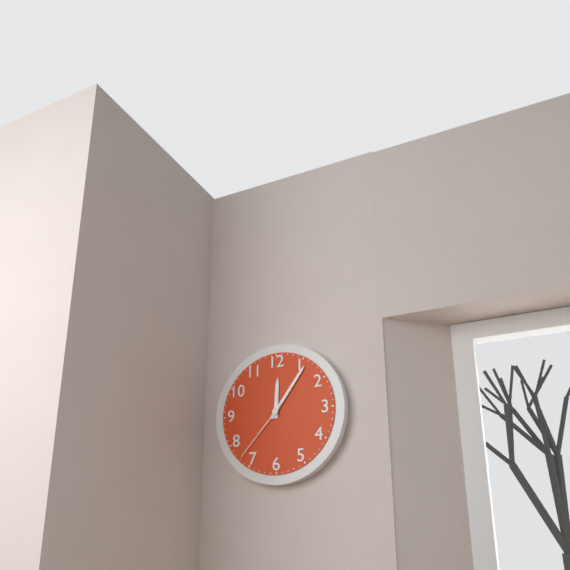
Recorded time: 12:06:37
